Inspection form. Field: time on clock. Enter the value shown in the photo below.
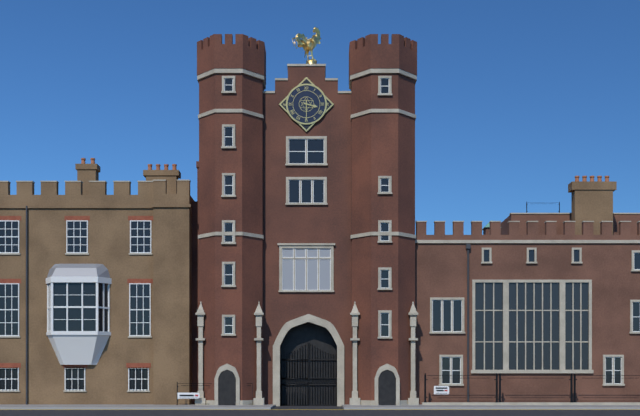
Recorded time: 3:30
